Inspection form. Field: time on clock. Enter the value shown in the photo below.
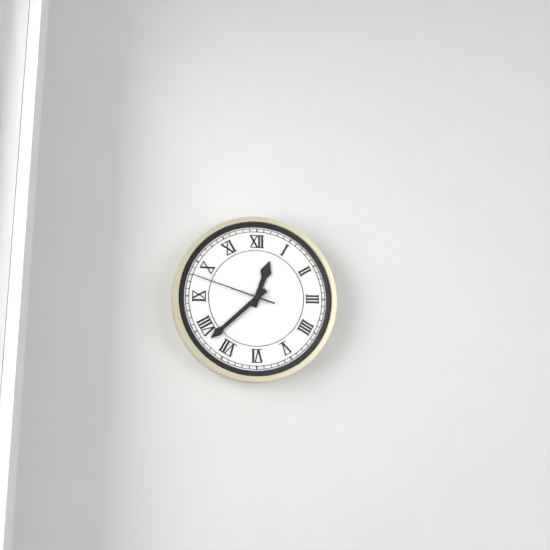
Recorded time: 12:38:48
